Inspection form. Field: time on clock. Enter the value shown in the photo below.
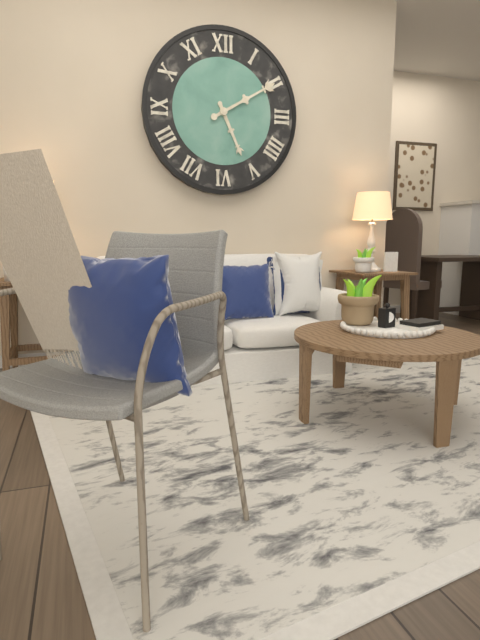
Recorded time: 5:10
